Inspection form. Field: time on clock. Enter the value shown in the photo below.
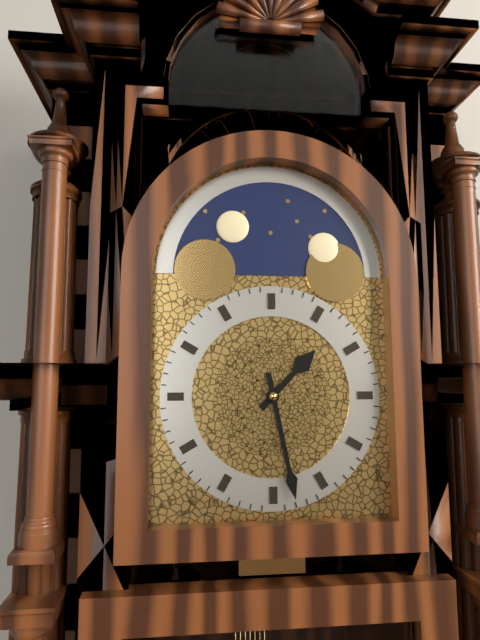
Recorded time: 1:28
